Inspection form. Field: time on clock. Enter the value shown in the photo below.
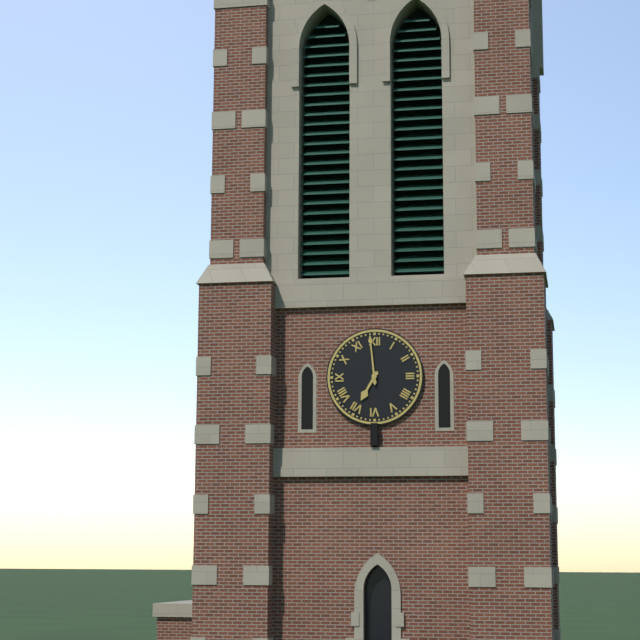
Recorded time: 6:59
